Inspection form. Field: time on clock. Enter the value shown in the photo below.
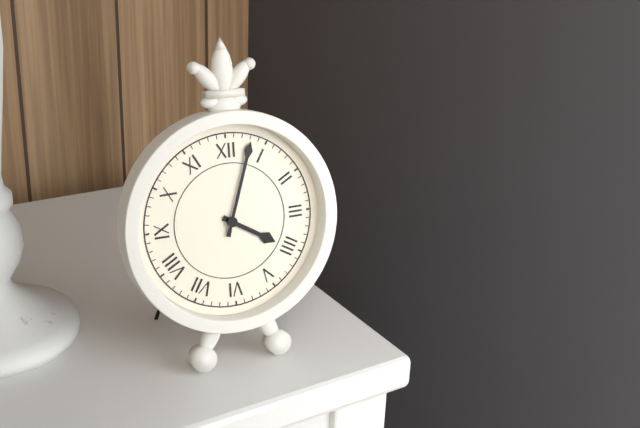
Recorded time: 4:03
